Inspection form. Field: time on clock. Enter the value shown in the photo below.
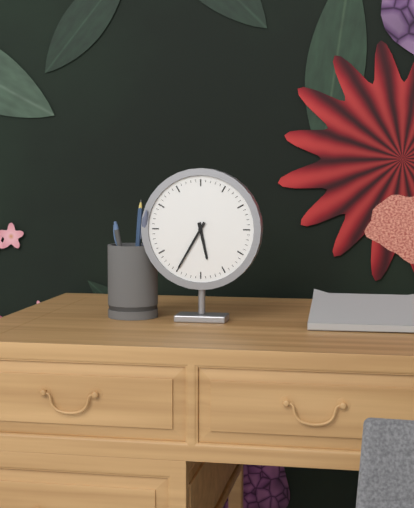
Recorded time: 5:35
